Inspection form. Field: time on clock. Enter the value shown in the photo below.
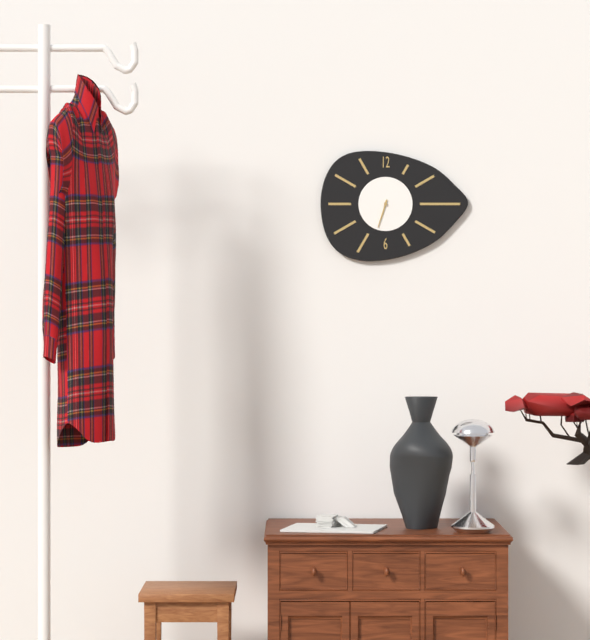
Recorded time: 6:33
